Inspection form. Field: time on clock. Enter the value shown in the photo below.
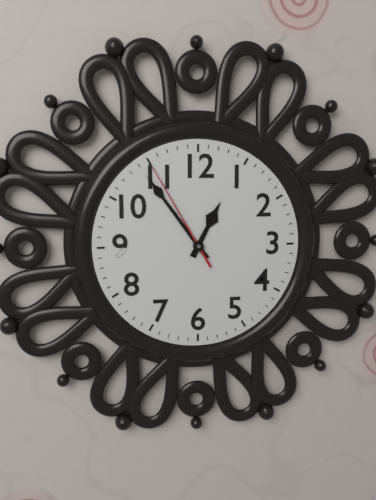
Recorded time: 12:54:55
